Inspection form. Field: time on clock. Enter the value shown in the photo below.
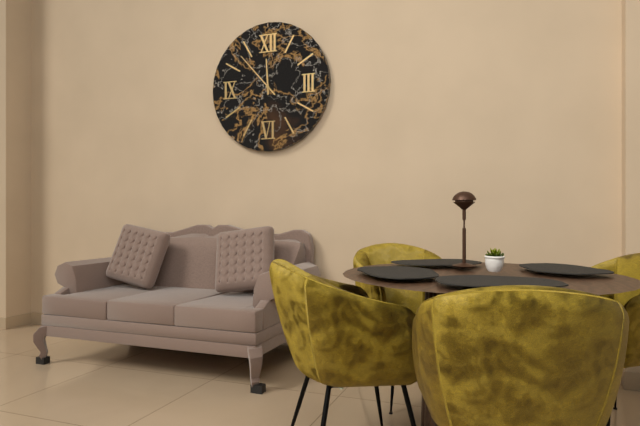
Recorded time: 11:53
